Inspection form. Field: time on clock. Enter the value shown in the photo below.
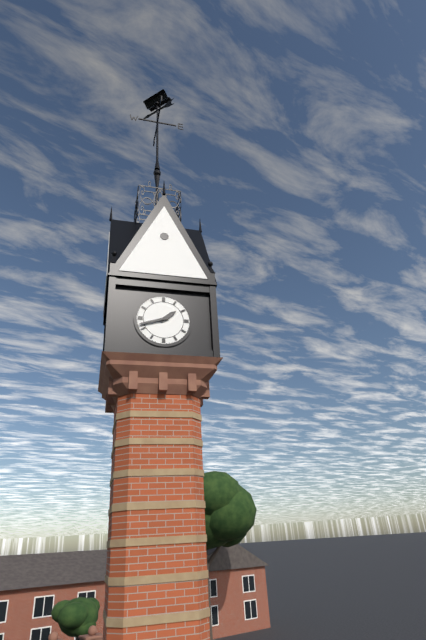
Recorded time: 1:42
